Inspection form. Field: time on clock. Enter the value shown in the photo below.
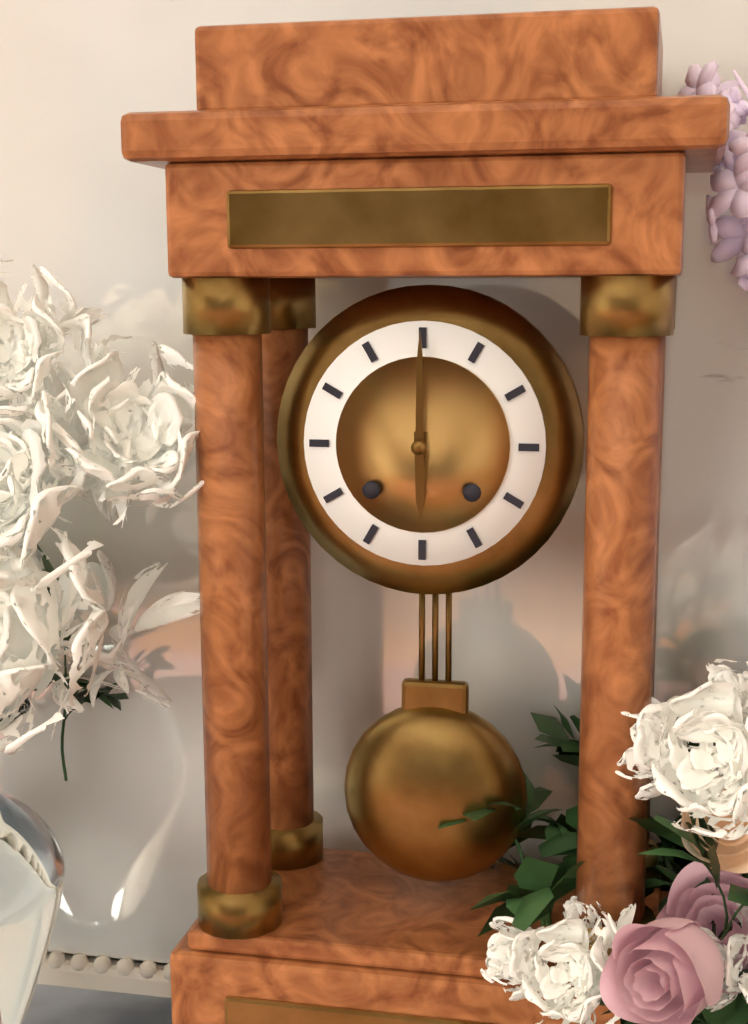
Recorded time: 6:00
